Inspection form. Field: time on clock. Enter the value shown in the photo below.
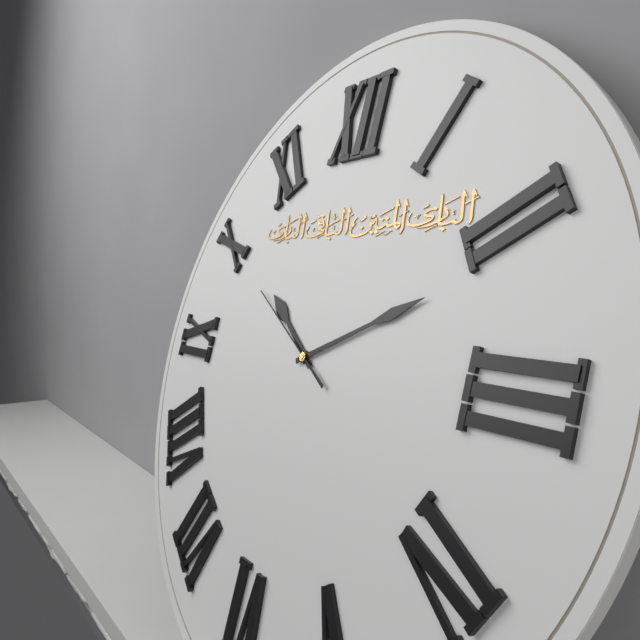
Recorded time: 10:11:50
